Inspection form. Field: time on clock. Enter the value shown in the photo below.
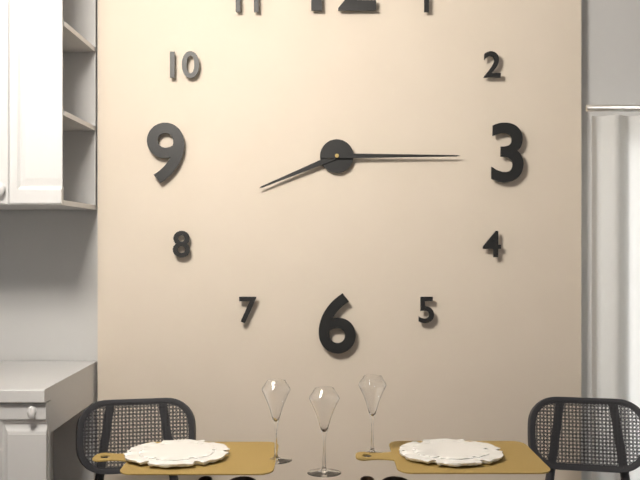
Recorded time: 8:15
